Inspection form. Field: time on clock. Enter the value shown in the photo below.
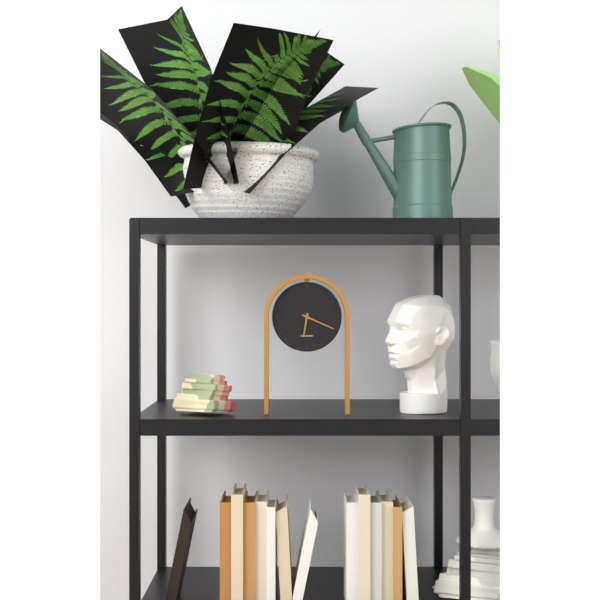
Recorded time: 6:19
